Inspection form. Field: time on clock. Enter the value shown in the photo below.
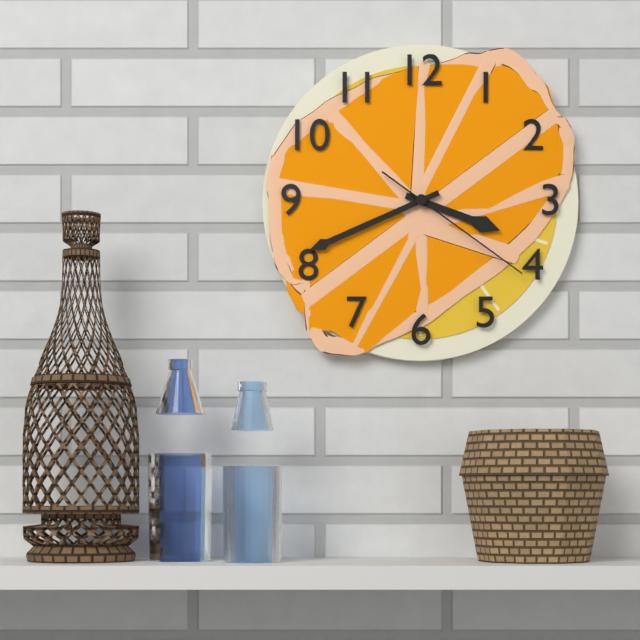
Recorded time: 3:41:21
